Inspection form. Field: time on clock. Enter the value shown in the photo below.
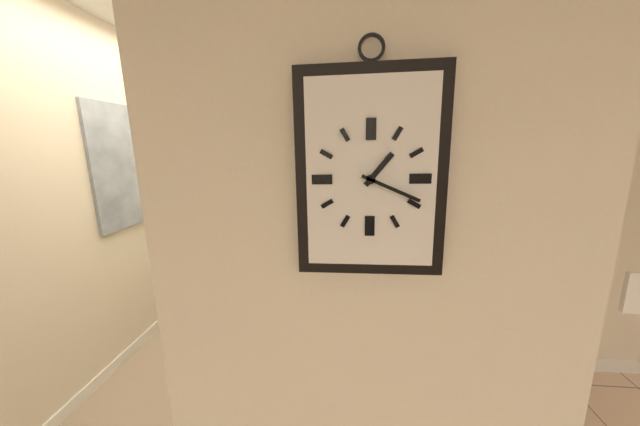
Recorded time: 1:19
